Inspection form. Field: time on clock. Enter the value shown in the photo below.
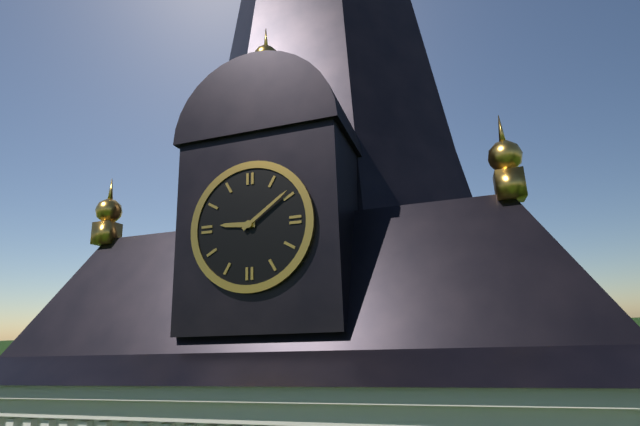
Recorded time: 9:09
